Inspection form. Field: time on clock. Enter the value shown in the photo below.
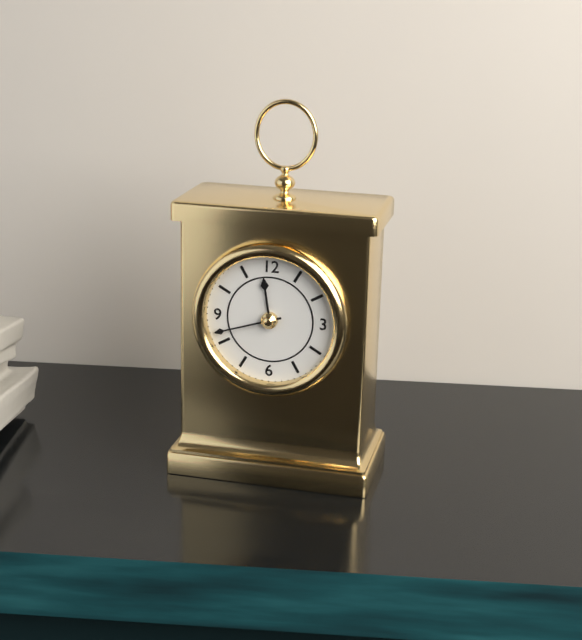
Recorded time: 11:42
